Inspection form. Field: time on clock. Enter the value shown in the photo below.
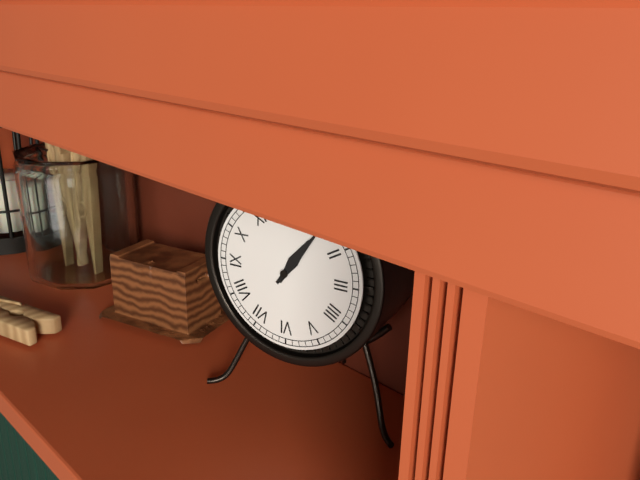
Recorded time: 1:06
